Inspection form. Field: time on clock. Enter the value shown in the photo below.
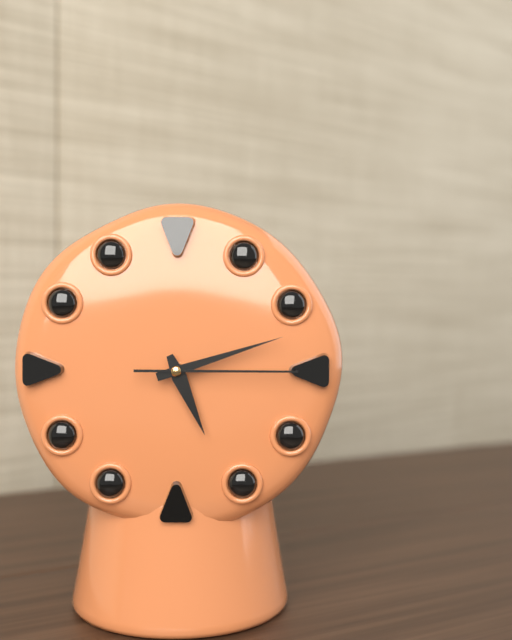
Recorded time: 5:12:15
